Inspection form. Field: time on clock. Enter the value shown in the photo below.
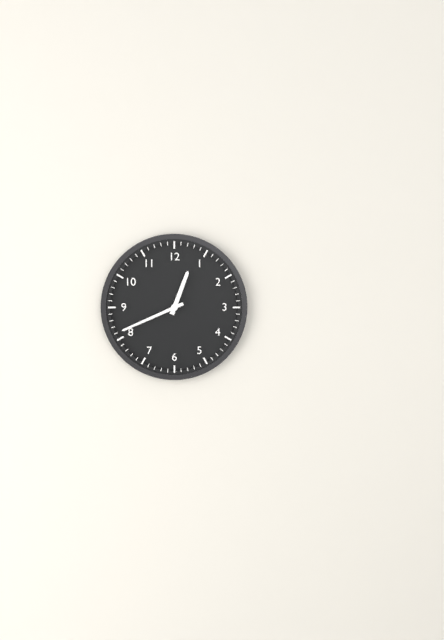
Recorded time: 12:41
